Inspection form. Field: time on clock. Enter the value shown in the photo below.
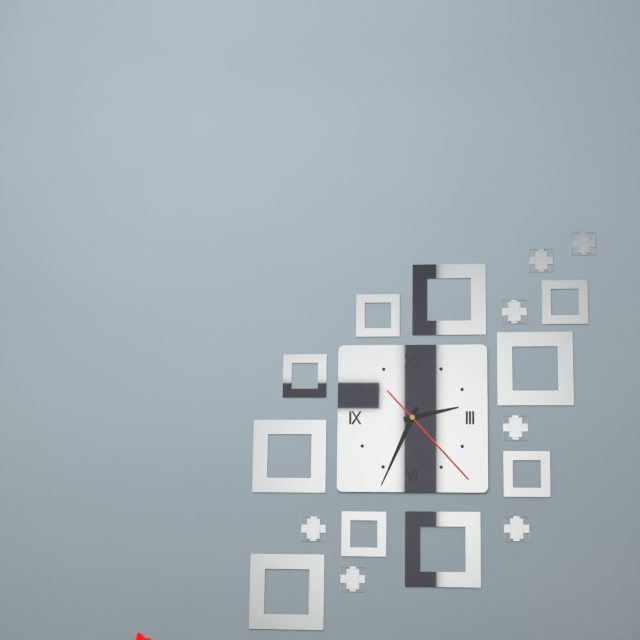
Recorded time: 2:34:23
